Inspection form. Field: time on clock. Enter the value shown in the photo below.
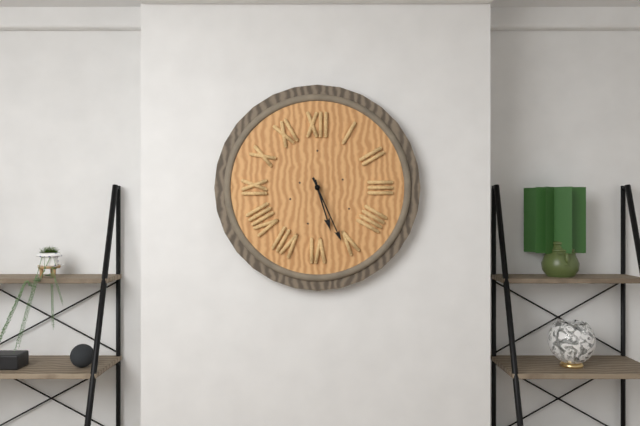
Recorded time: 5:26
